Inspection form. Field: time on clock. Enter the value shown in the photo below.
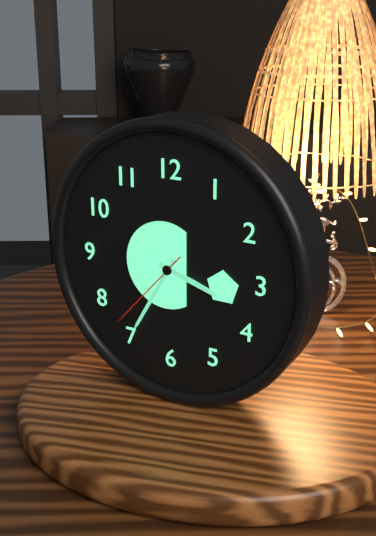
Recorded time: 3:35:37
